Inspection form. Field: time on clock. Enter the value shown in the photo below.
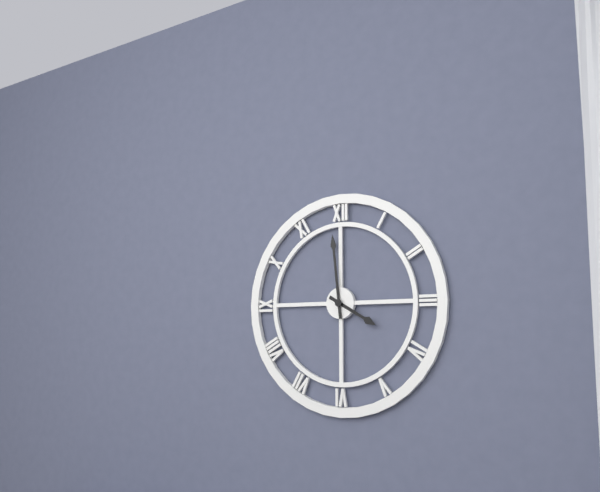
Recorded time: 3:59
